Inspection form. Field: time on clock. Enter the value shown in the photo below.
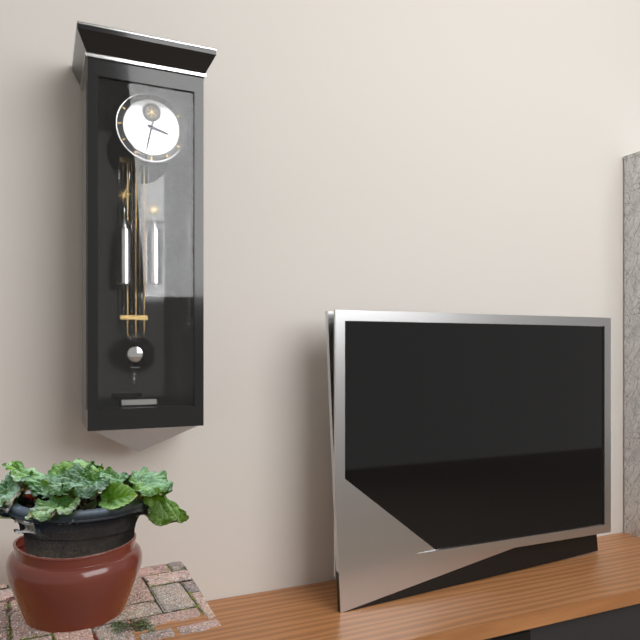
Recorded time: 3:32
